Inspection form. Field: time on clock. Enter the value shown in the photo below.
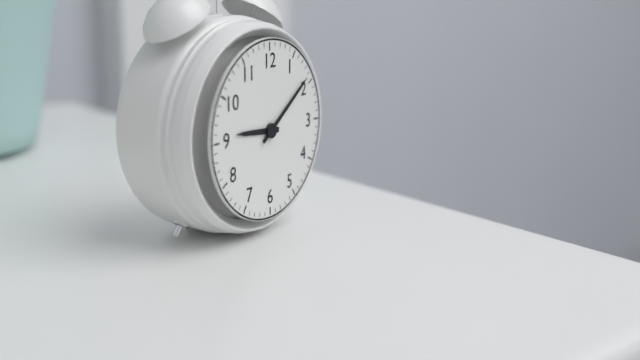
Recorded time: 9:09
